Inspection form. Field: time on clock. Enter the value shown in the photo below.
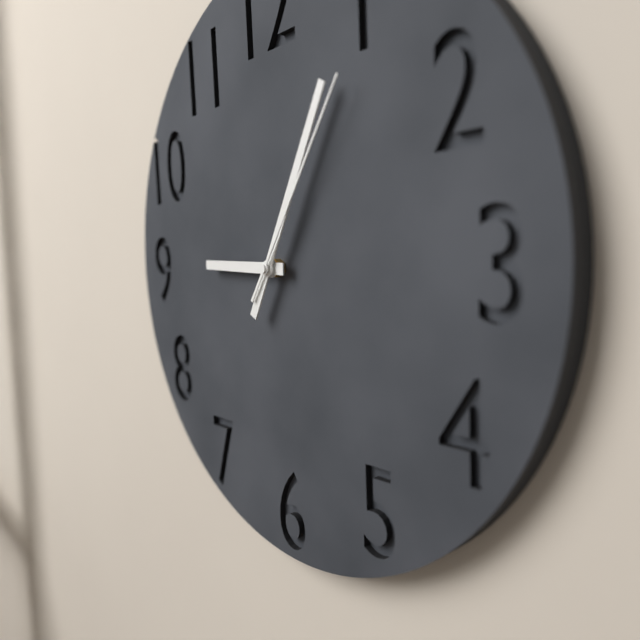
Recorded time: 9:05:06
